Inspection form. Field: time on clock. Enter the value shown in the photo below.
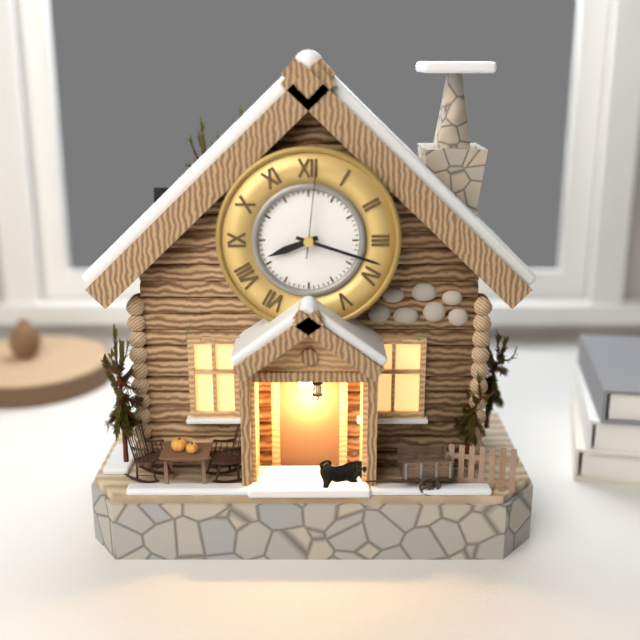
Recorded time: 8:18:01
